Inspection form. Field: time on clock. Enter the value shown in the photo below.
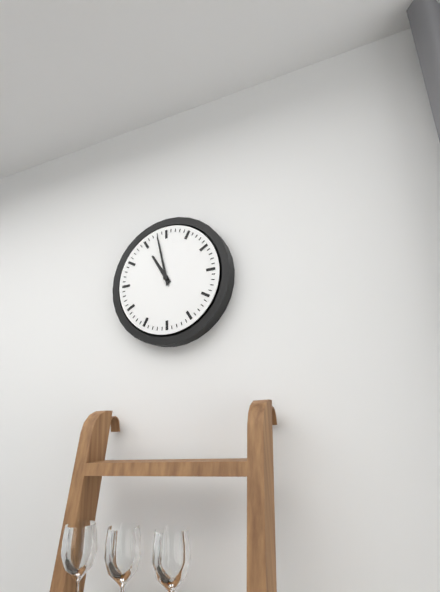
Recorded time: 10:58
